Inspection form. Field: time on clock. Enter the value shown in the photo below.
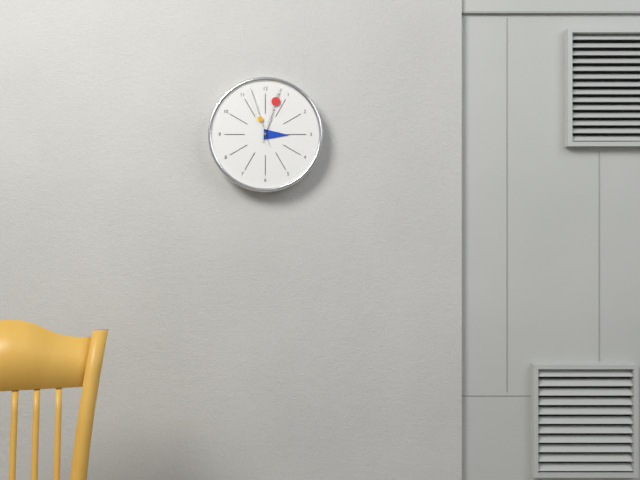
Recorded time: 3:03:57
